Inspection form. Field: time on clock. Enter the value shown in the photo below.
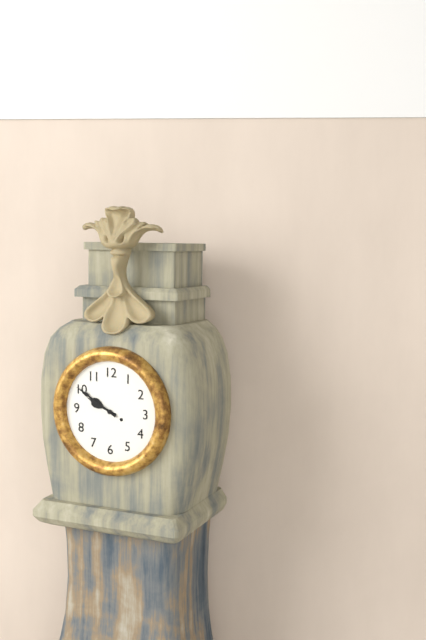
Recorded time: 9:50
